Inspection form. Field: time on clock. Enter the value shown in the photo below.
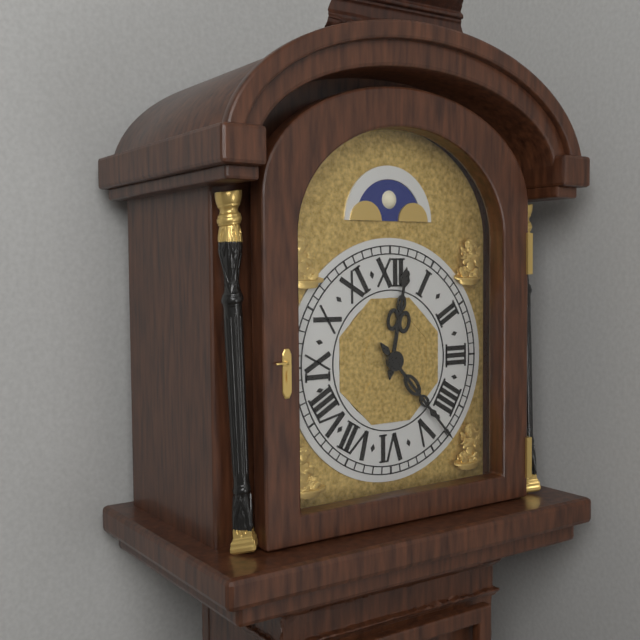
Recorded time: 12:23
